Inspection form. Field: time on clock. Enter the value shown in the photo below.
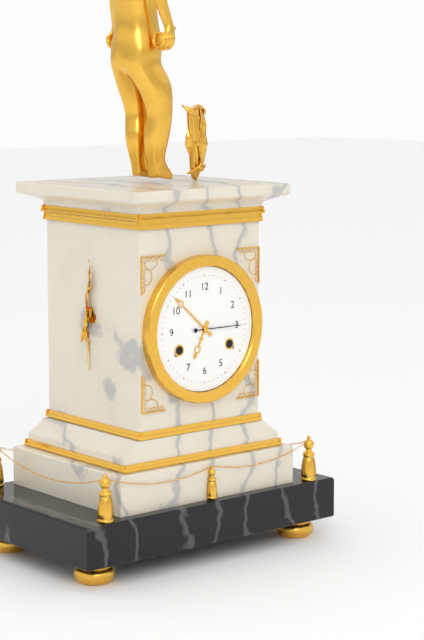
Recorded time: 6:52
